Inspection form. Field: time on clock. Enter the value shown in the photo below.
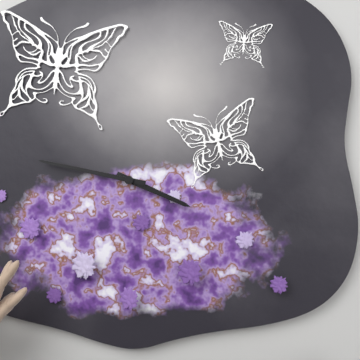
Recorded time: 3:47
